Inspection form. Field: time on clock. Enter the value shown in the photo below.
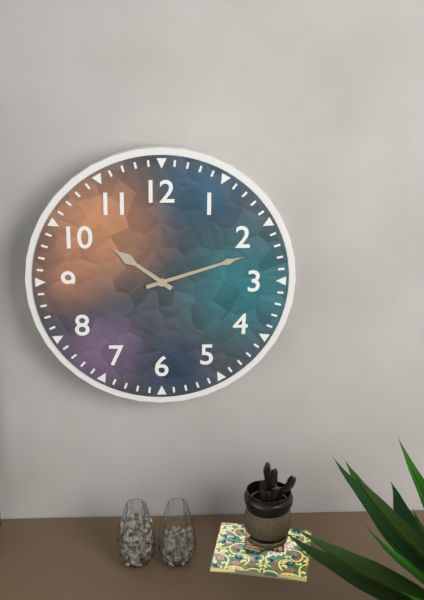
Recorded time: 10:12
